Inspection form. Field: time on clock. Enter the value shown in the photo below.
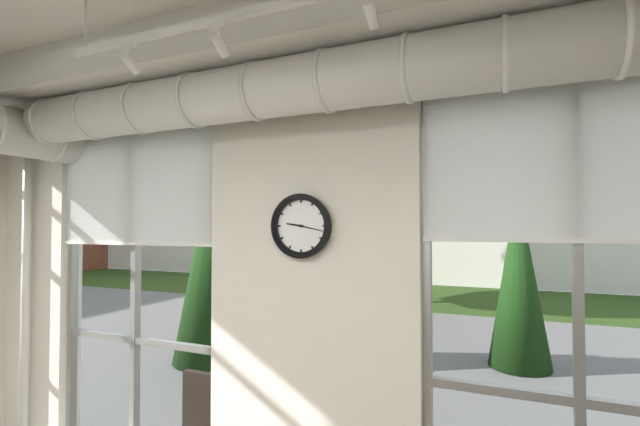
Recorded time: 9:17
